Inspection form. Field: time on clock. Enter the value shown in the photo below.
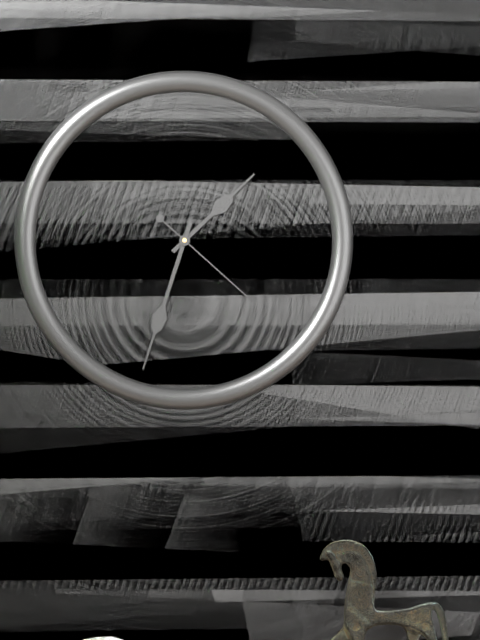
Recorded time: 1:33:22
